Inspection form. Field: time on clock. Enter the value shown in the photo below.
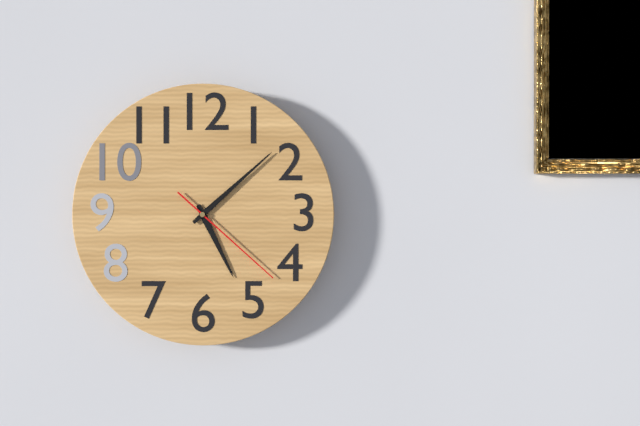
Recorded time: 5:08:22
